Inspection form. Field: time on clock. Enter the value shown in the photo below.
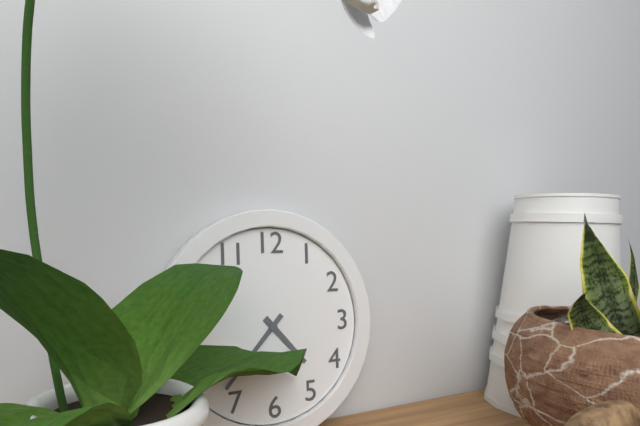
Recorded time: 4:37
